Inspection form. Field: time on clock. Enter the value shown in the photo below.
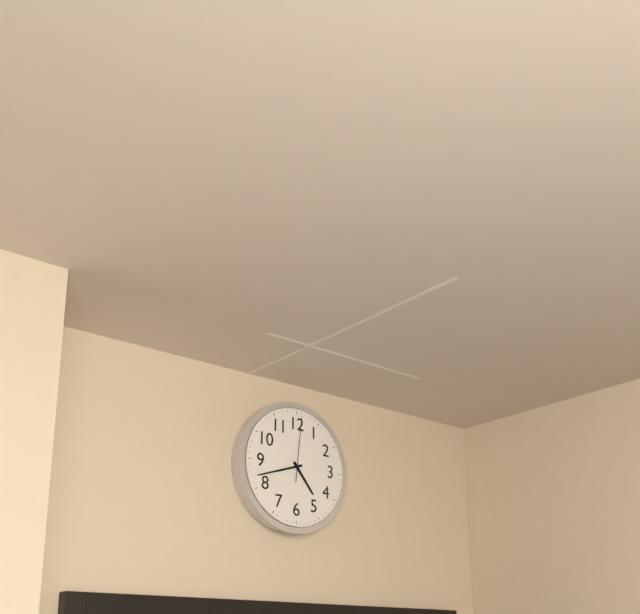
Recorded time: 4:42:01
